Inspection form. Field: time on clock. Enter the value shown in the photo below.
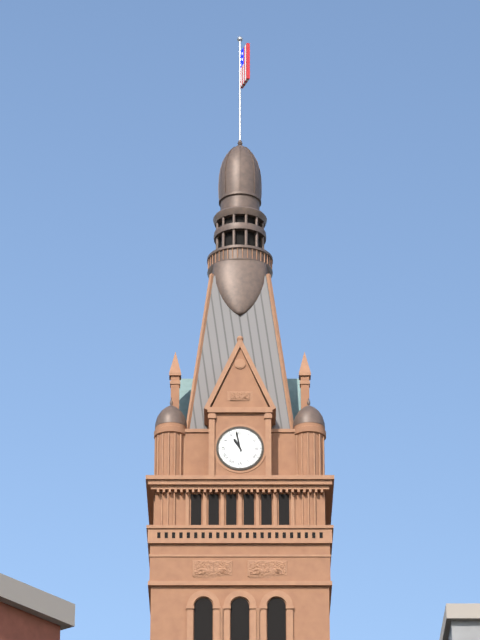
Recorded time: 10:58
